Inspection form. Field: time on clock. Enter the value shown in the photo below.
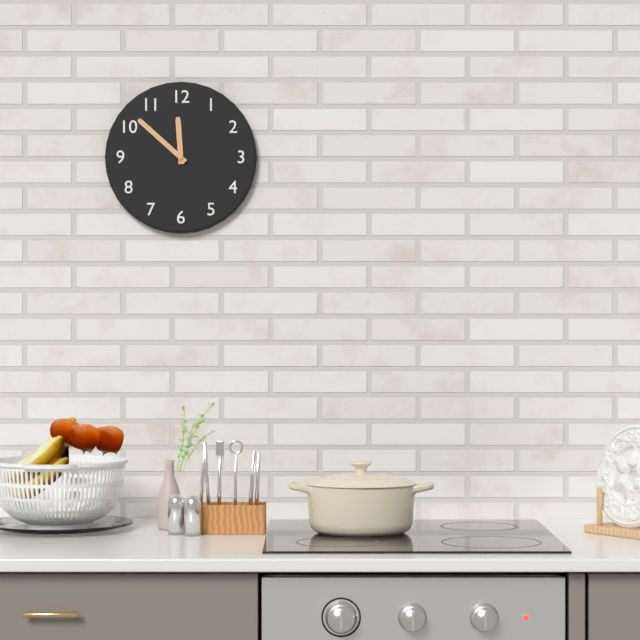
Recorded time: 11:52
